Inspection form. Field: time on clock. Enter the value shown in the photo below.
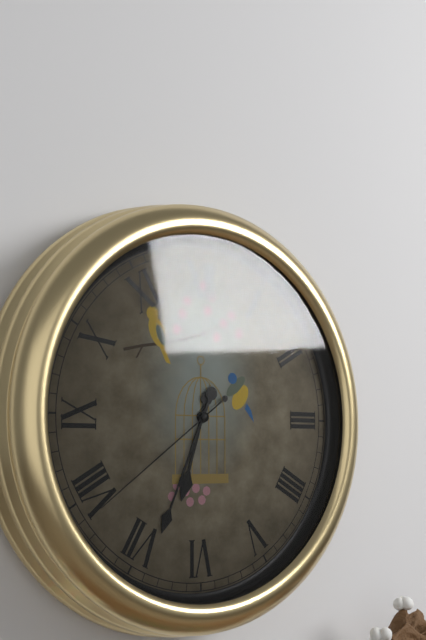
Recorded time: 6:34:39
